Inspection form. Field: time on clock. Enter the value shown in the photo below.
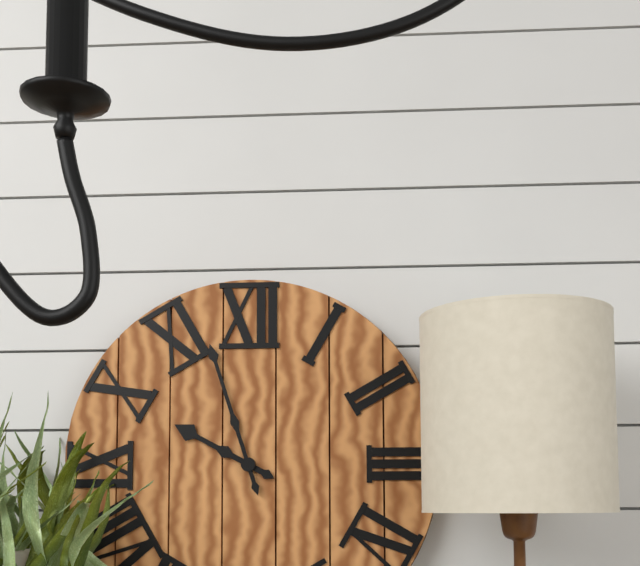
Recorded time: 9:57
